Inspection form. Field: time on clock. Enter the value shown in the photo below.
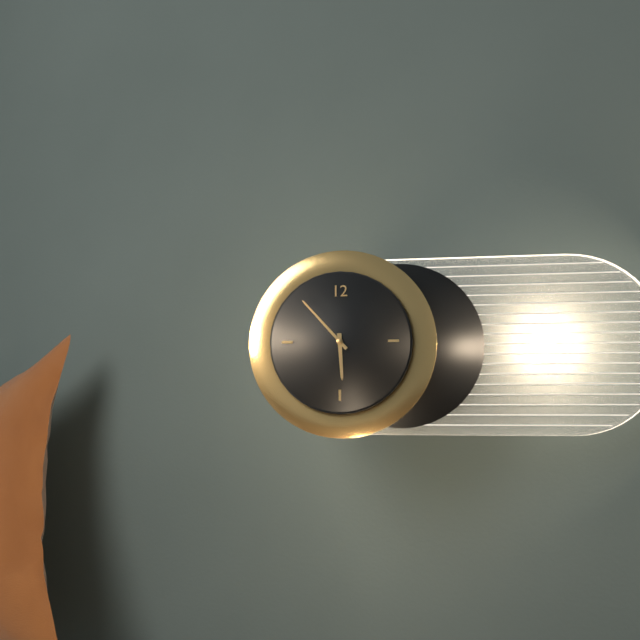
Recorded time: 5:53
